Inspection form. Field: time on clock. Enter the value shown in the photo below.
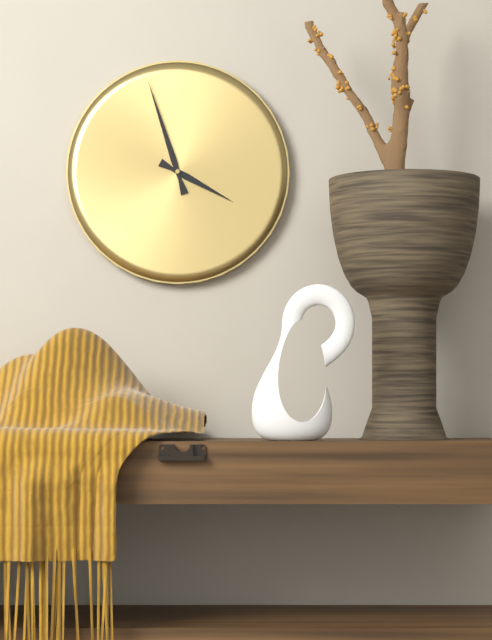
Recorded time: 3:57
